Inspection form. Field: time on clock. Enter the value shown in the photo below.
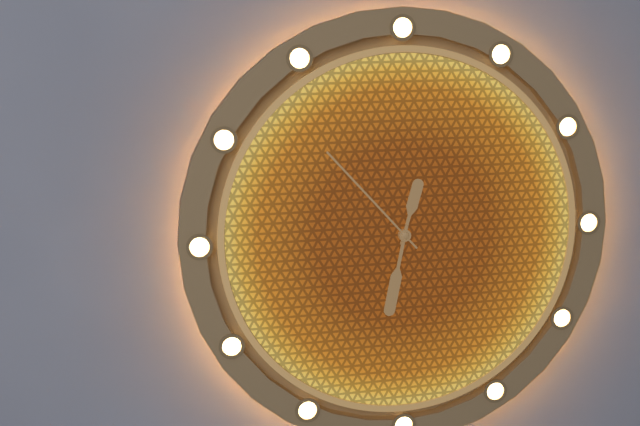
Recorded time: 12:32:53
